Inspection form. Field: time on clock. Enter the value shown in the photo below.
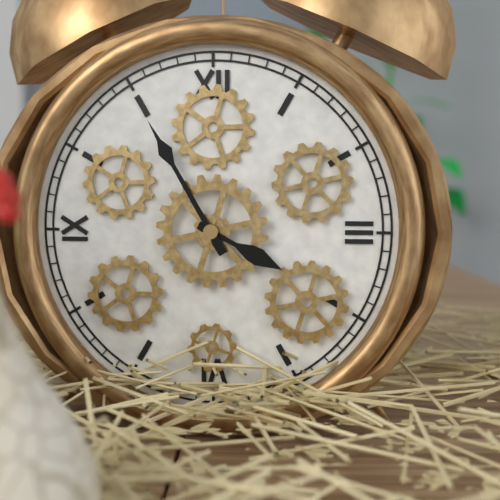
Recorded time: 3:55
